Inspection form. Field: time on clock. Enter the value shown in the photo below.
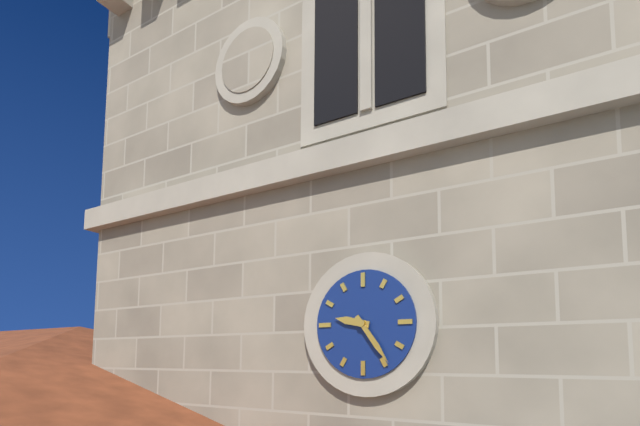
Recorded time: 9:24
